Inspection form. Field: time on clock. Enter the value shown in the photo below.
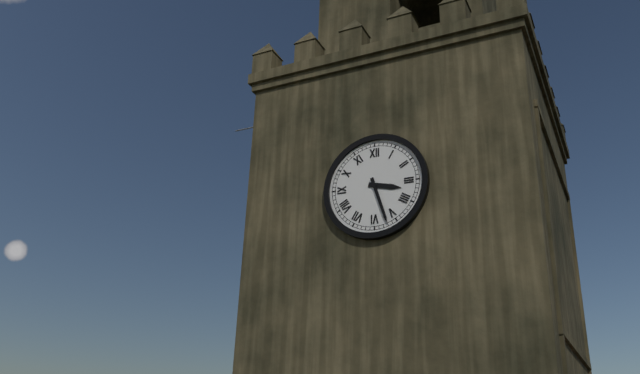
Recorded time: 3:27
